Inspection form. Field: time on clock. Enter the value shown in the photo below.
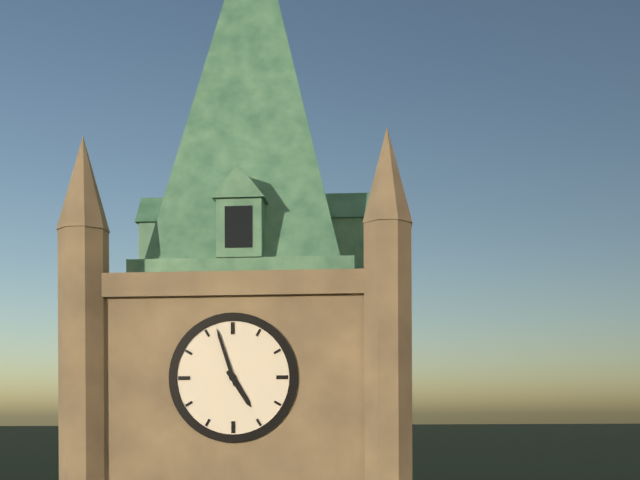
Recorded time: 4:57
